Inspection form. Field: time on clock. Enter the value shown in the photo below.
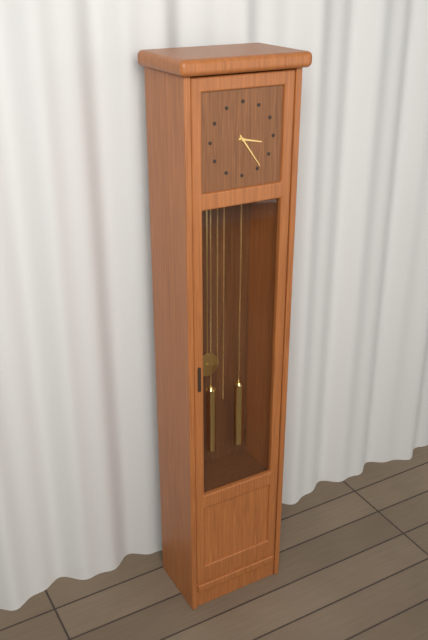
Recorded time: 3:24
